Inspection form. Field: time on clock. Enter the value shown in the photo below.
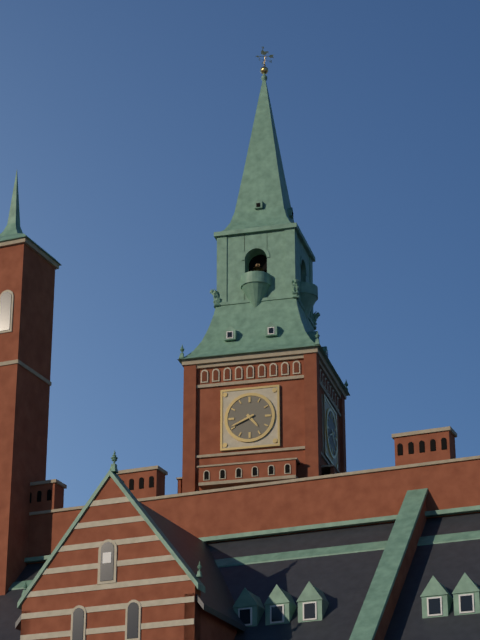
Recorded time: 4:41
